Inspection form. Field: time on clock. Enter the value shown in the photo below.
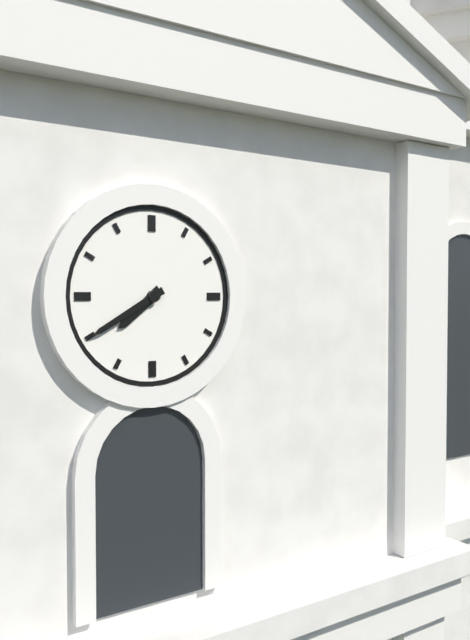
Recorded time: 7:40
